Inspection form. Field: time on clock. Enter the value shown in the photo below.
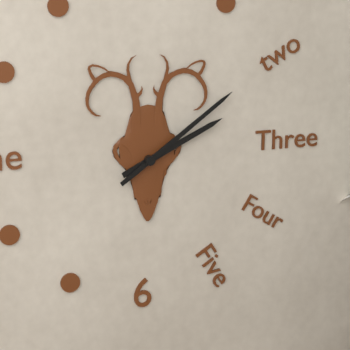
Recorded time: 2:09
